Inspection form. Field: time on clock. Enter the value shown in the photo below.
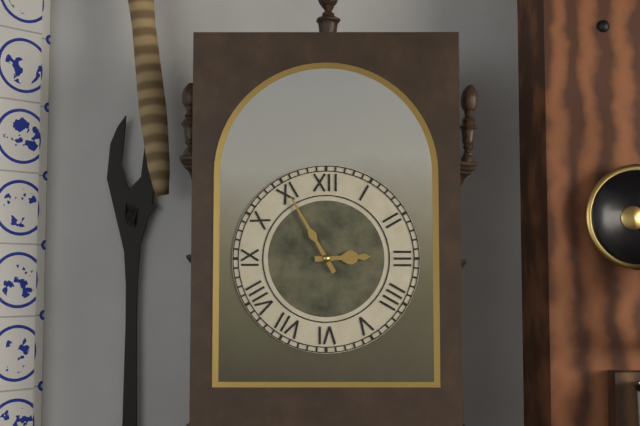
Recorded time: 2:55
